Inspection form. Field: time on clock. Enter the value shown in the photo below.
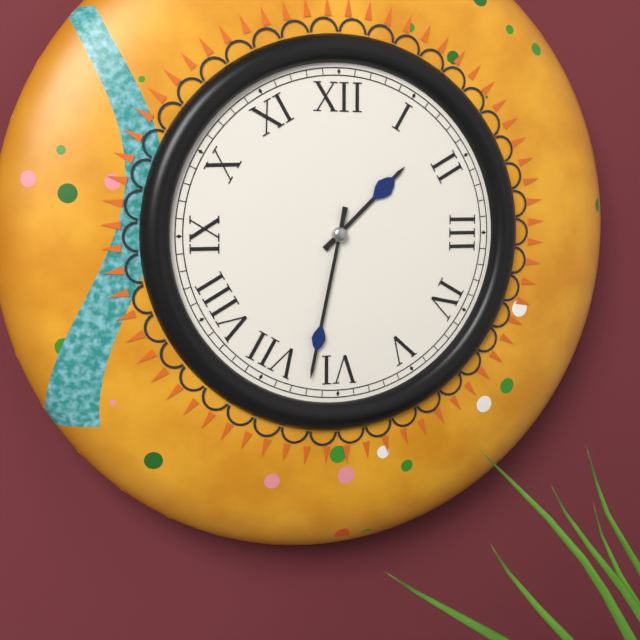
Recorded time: 1:32
